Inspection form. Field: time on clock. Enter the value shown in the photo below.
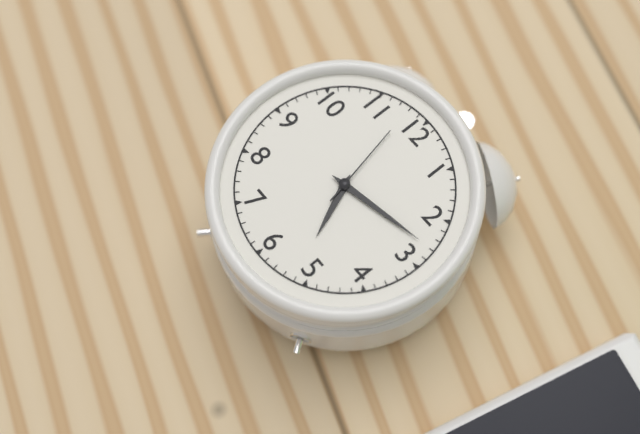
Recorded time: 5:13:58
